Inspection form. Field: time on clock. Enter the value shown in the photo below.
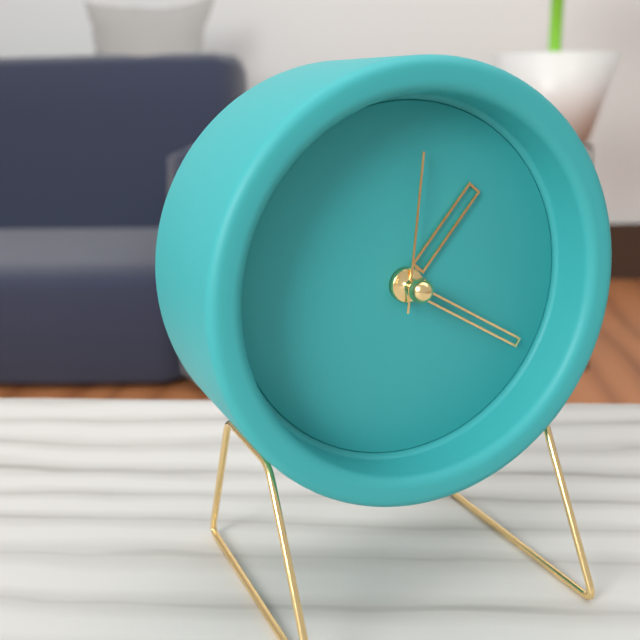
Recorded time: 1:20:01
